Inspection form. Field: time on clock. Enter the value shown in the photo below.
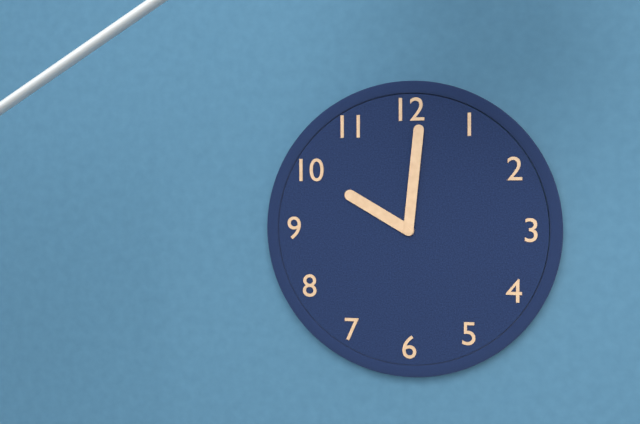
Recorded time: 10:01
